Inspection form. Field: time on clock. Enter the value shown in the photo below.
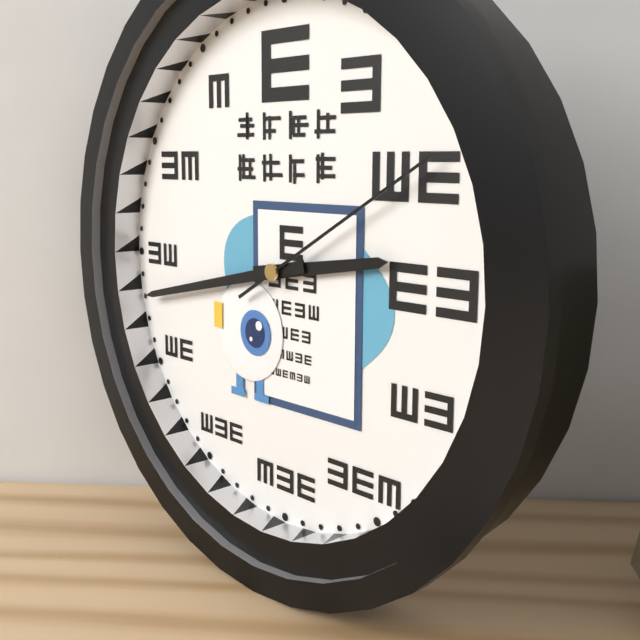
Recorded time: 2:43:10
